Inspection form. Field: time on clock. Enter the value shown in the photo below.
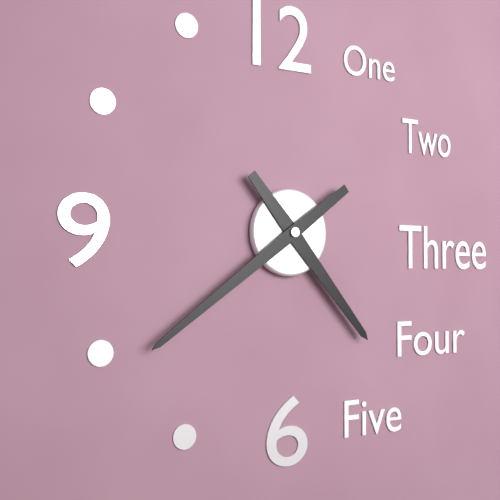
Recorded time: 4:39
